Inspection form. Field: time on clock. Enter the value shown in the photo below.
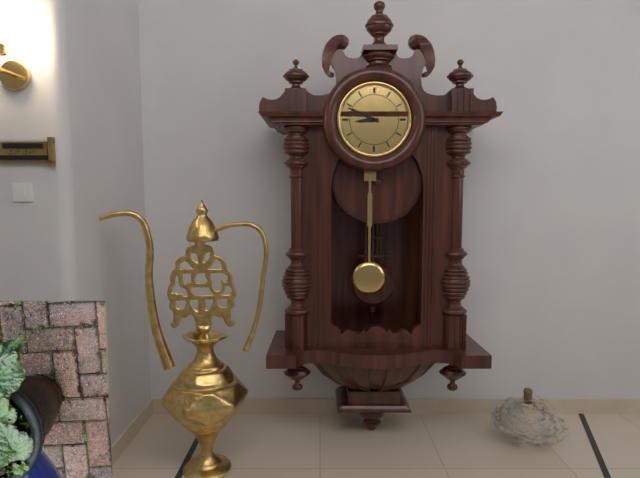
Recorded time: 8:49
